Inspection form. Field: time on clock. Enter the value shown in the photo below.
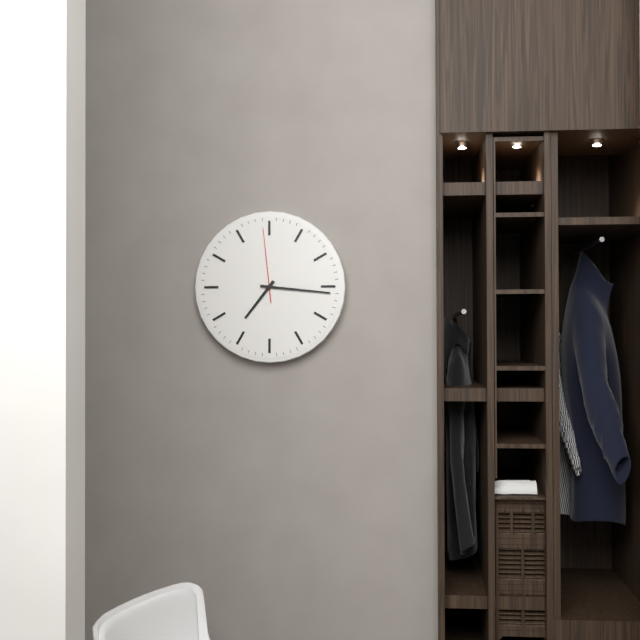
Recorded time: 7:16:59
